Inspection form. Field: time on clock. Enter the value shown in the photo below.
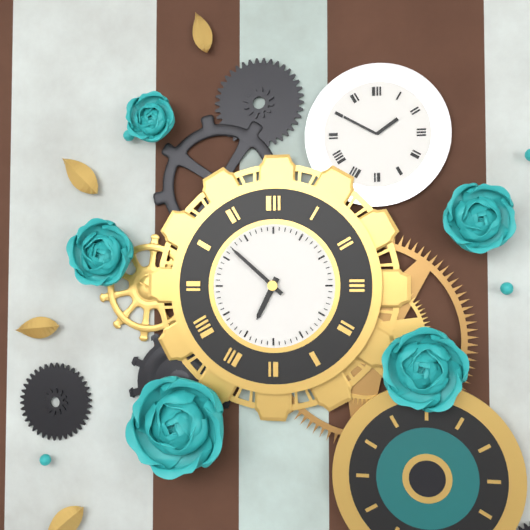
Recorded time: 6:52
